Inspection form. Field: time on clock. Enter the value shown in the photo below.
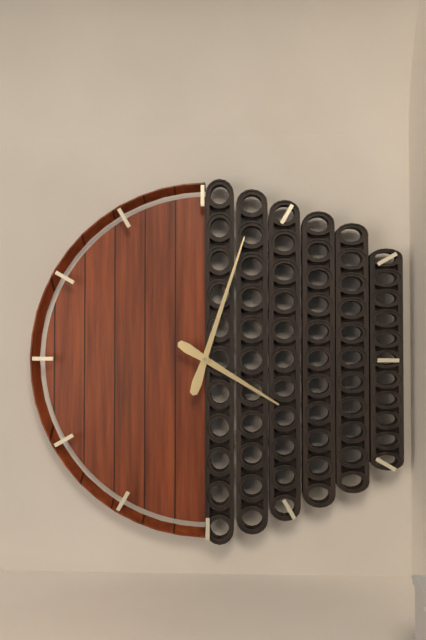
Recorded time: 4:03
